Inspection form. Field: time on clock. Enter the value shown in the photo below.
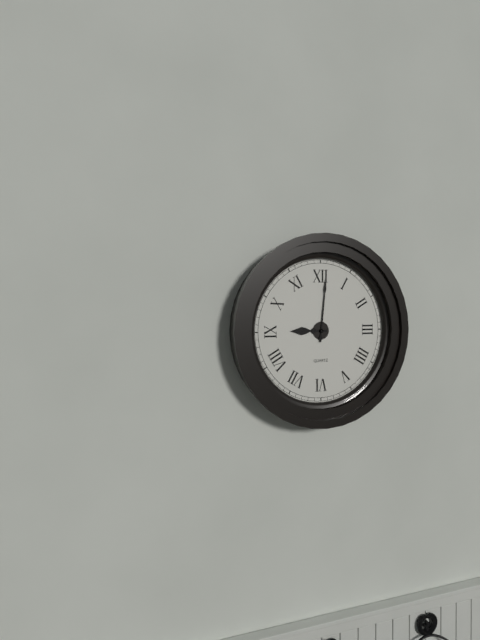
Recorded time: 9:01
